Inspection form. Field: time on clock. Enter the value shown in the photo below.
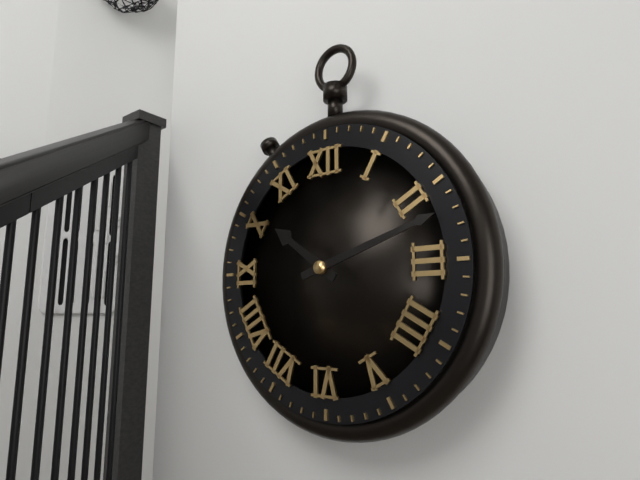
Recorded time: 10:12
